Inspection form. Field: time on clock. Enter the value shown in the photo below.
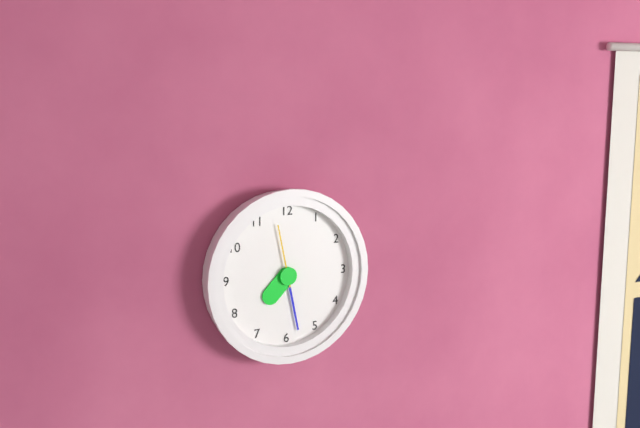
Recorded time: 7:28:58
